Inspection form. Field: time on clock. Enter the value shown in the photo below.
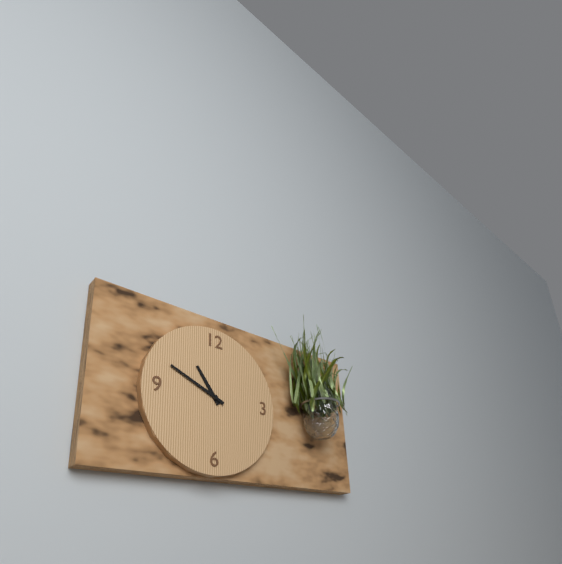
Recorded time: 10:49
